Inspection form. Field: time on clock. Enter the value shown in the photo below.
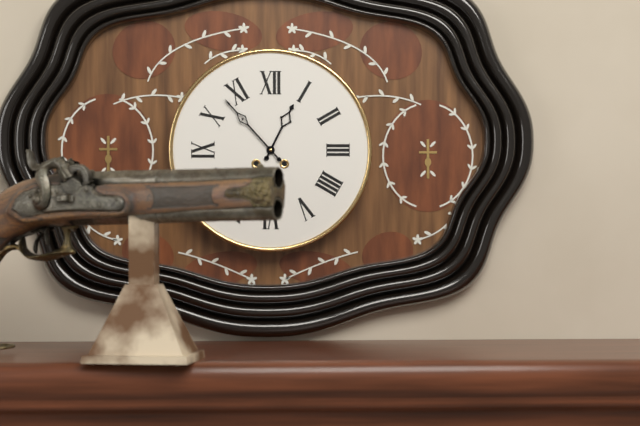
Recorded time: 12:53
